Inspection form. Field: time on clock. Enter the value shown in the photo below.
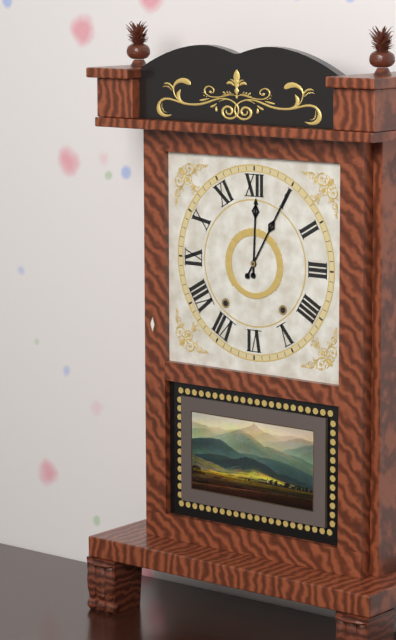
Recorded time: 12:05
